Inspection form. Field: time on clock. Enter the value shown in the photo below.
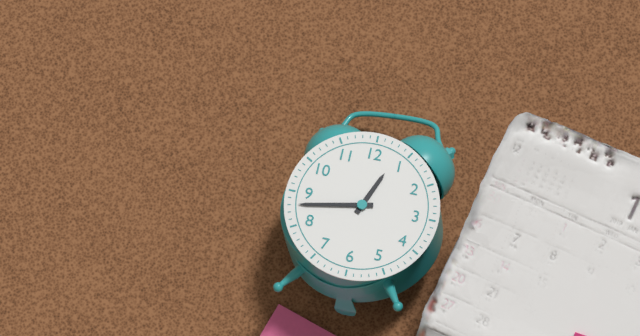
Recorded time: 12:43
